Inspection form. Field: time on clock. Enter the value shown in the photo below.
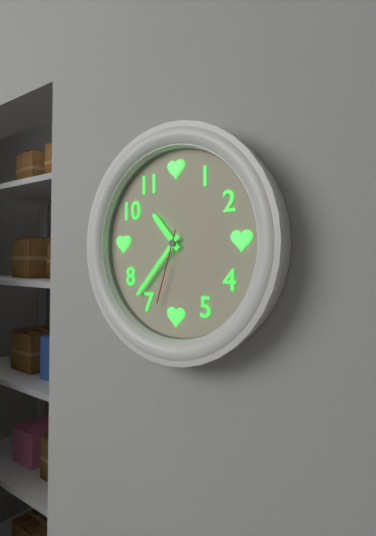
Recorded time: 10:37:33
